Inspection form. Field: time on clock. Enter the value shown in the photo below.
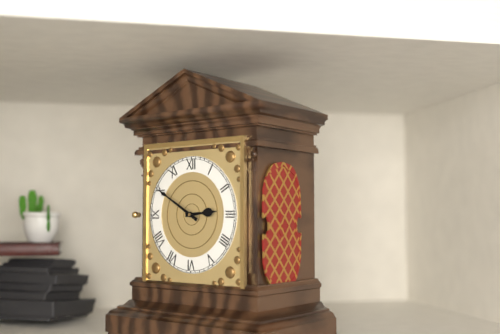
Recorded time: 2:50
